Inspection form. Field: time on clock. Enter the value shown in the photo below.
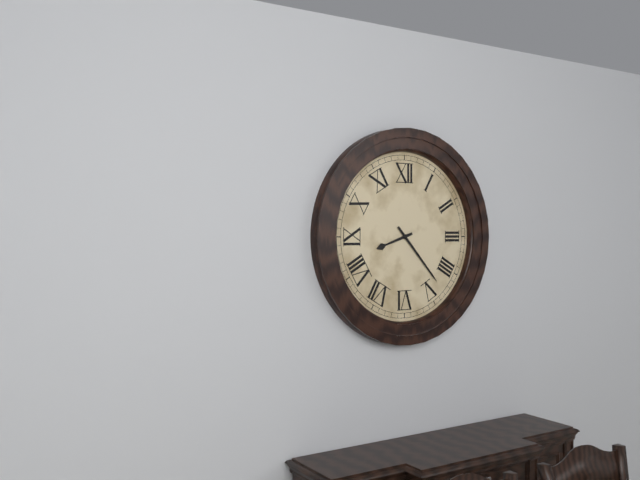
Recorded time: 8:23
